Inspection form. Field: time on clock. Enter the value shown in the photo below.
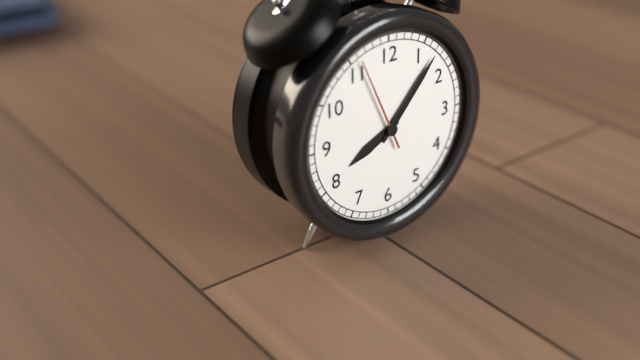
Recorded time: 8:07:56
